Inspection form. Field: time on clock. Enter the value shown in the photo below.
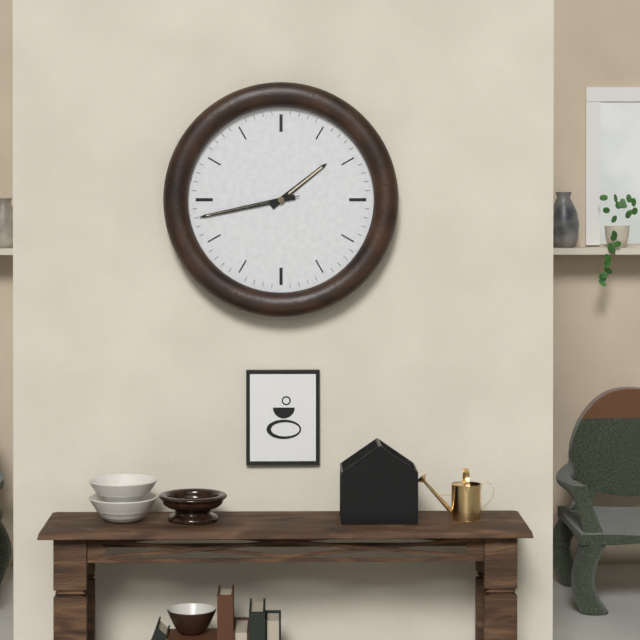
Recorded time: 1:43:43
